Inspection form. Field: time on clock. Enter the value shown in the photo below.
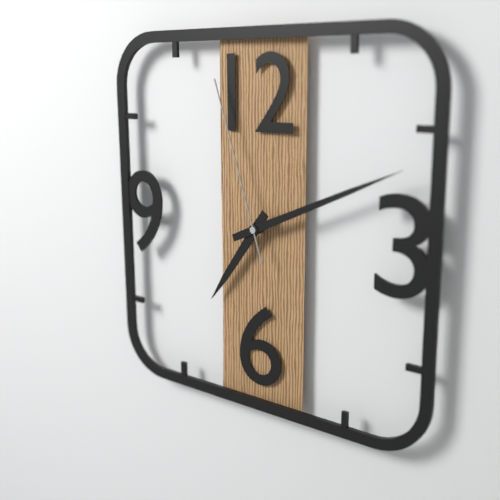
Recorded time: 7:11:57
